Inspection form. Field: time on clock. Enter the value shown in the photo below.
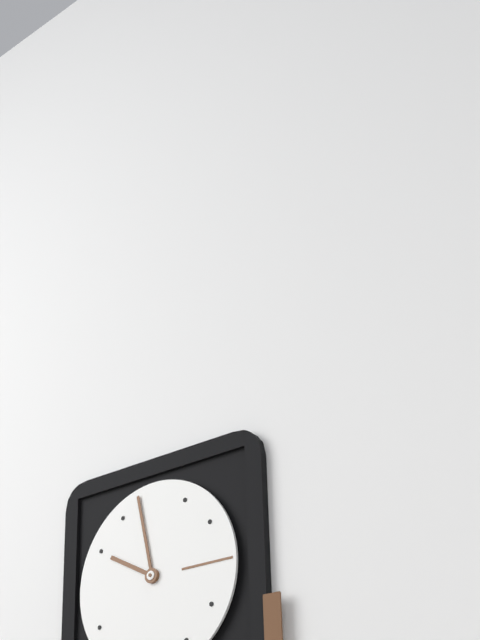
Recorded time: 9:58
